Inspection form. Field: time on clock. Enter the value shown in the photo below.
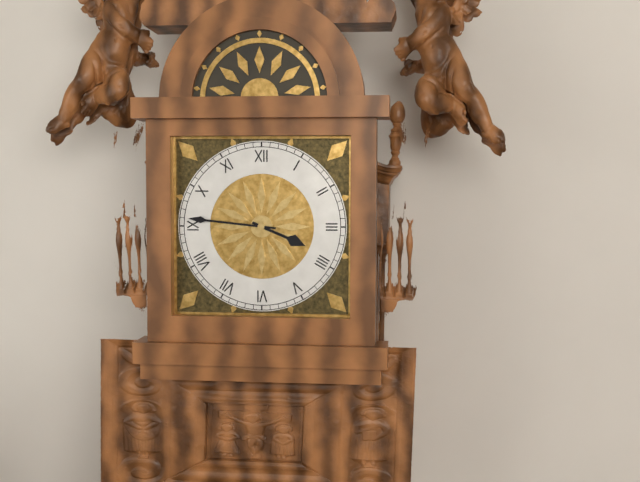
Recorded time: 3:46
